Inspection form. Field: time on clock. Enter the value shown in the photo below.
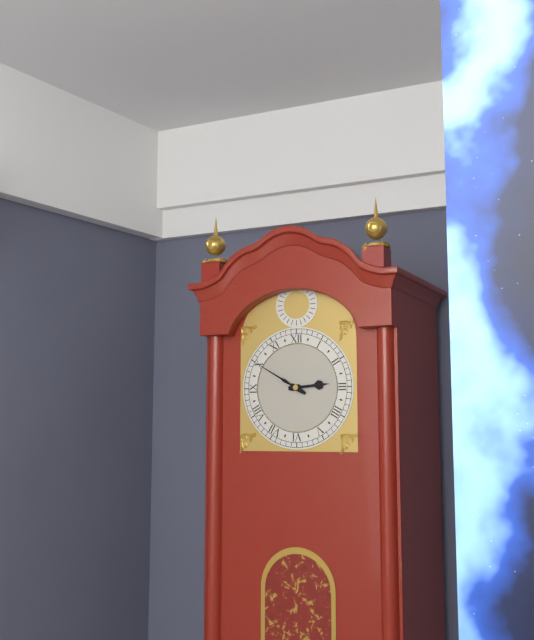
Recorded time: 2:50
